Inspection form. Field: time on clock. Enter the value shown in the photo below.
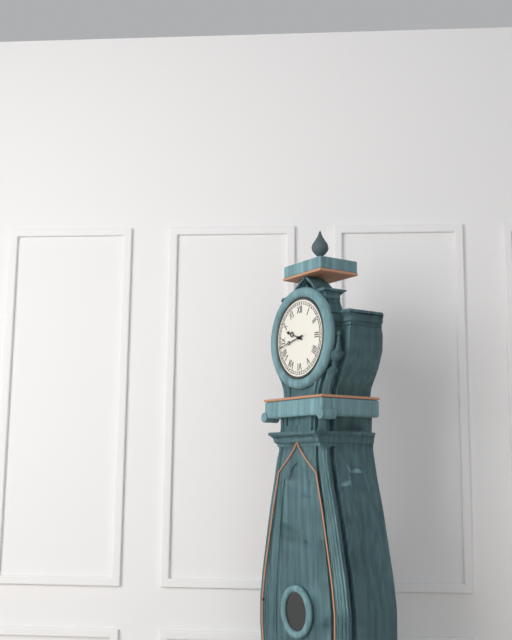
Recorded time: 9:43
